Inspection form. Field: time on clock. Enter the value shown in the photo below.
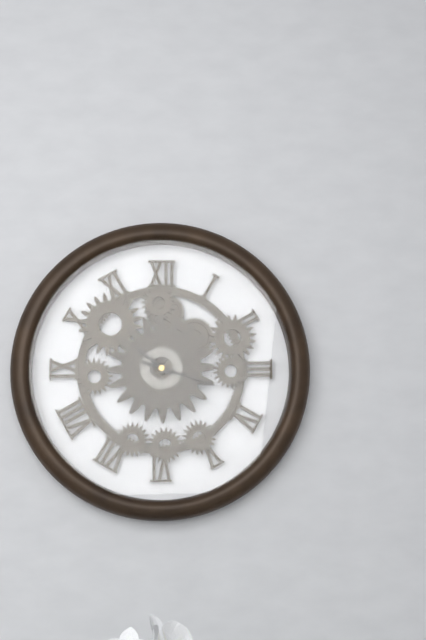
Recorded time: 10:18
